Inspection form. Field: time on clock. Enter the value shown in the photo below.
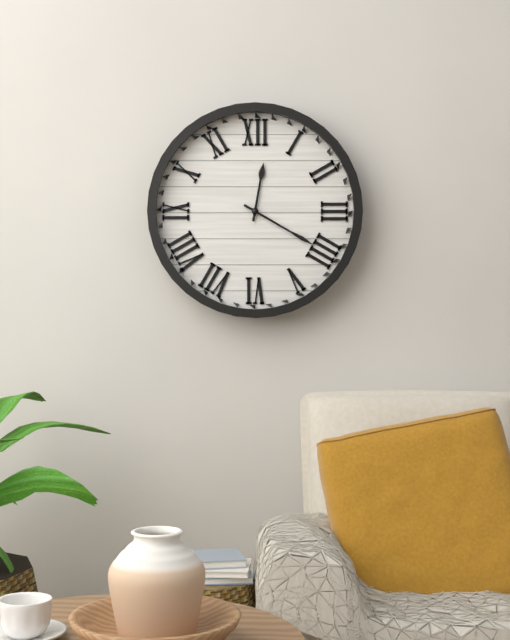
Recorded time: 12:20
